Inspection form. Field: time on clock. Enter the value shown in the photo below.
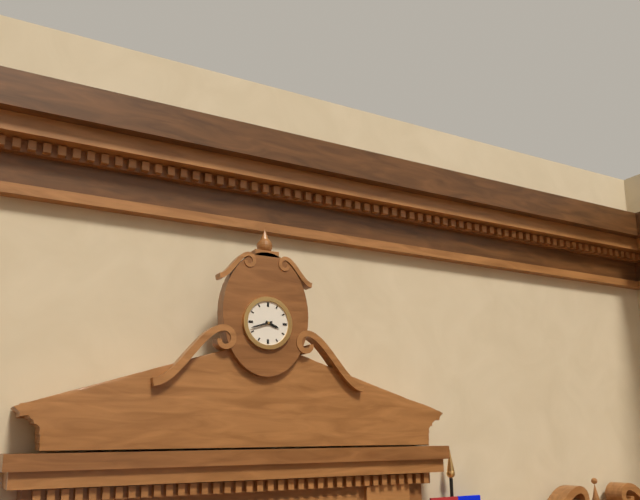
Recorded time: 3:42
